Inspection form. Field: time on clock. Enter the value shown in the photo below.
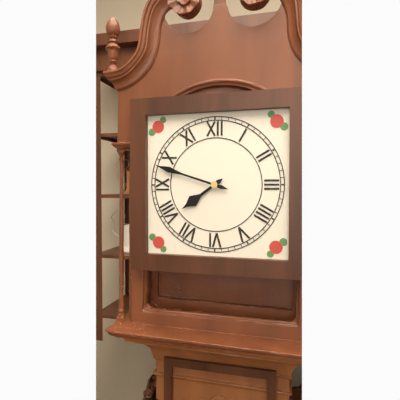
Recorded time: 7:48
